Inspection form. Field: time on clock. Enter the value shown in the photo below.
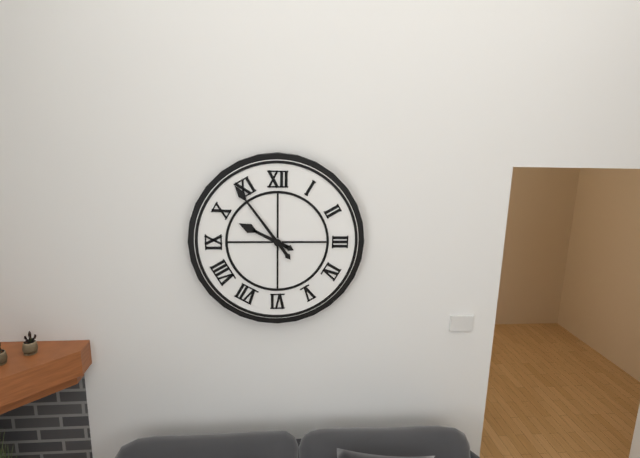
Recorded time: 9:54
